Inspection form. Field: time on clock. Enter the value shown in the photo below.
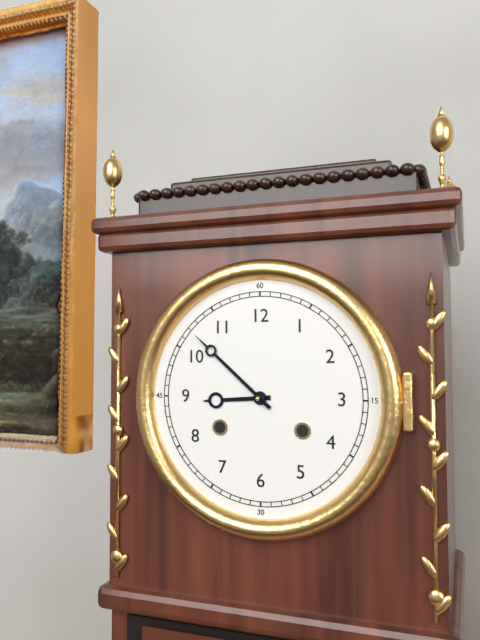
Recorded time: 8:52
